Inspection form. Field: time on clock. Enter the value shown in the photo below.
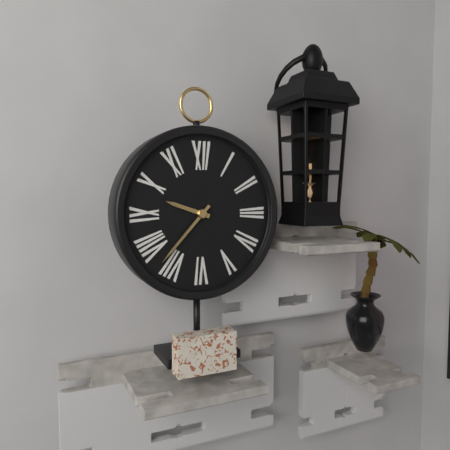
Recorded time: 9:37
